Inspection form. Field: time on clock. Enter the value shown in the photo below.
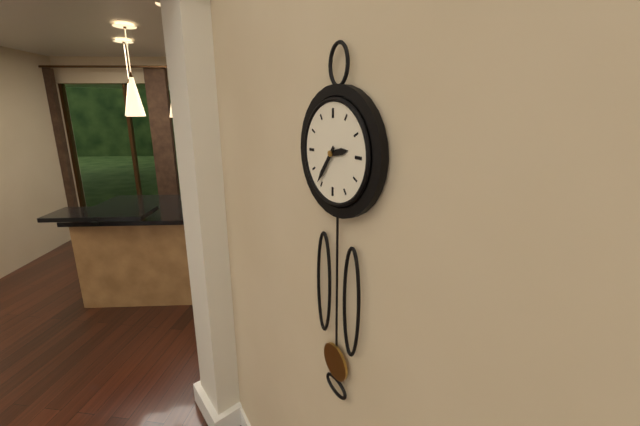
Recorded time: 2:36
